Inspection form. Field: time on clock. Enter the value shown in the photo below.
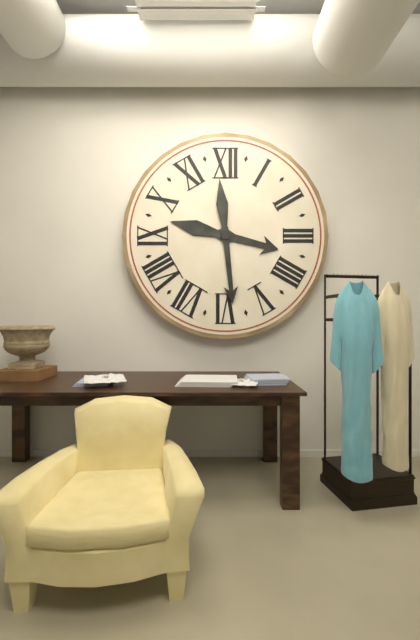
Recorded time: 3:29
